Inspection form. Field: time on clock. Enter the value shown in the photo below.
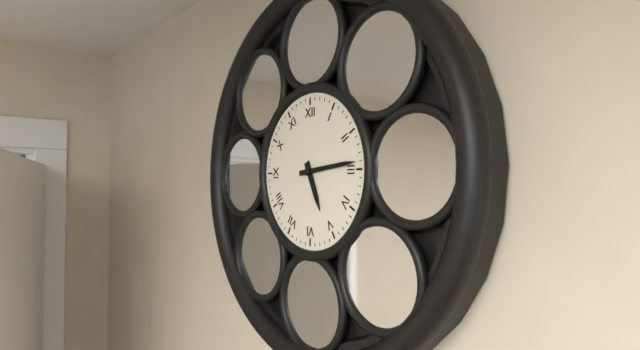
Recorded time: 5:14
